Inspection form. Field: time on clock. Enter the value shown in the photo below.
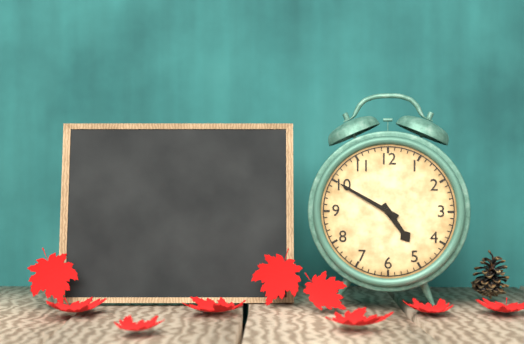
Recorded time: 4:50
